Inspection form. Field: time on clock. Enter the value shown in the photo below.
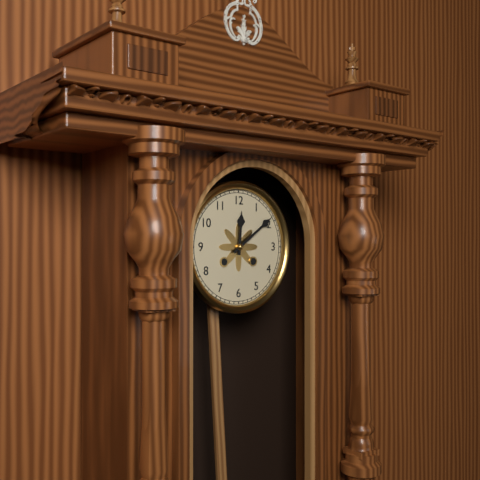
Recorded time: 12:09
